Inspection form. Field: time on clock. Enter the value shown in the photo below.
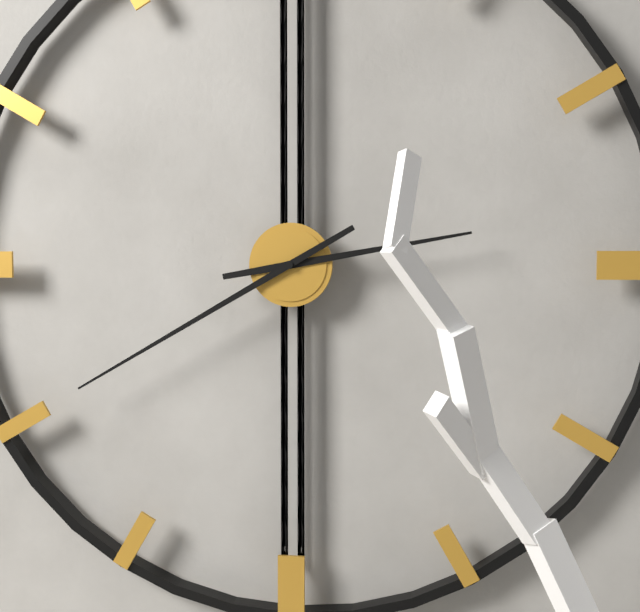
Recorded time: 2:40
